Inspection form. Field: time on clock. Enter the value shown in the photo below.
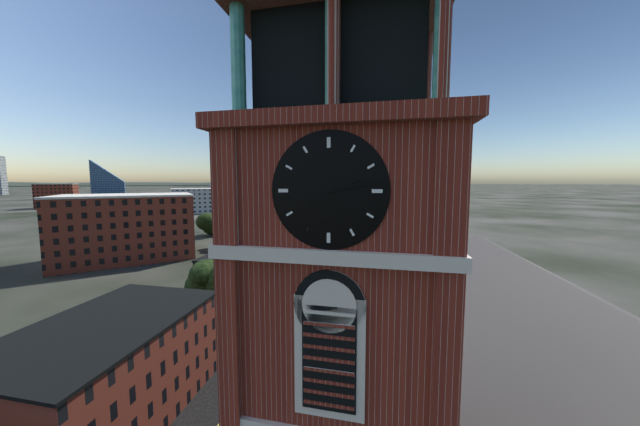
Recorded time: 2:13
